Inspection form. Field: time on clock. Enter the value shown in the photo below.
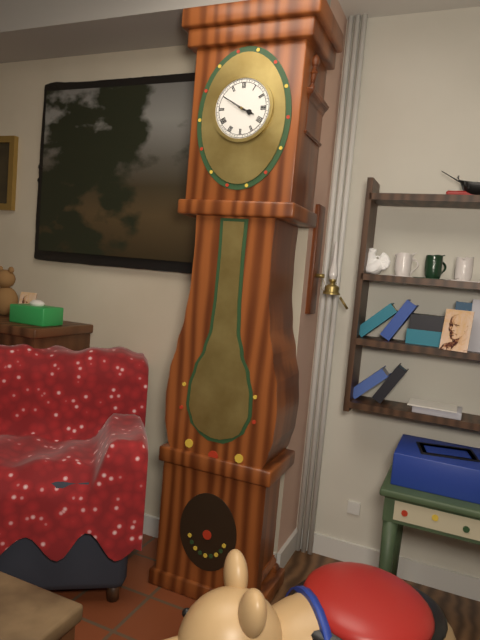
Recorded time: 3:50
